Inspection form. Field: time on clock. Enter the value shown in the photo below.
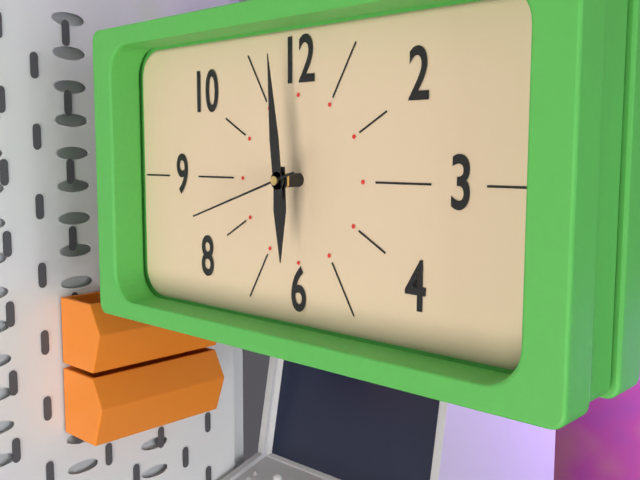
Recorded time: 5:59:42
